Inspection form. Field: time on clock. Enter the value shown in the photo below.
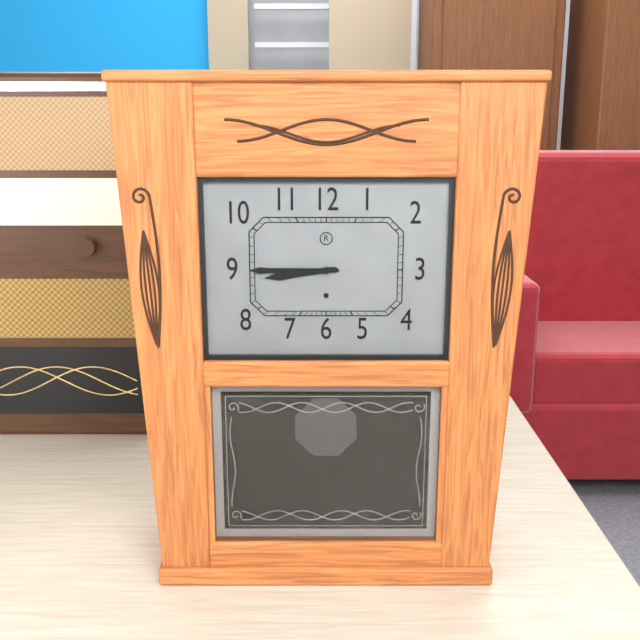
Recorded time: 8:45
